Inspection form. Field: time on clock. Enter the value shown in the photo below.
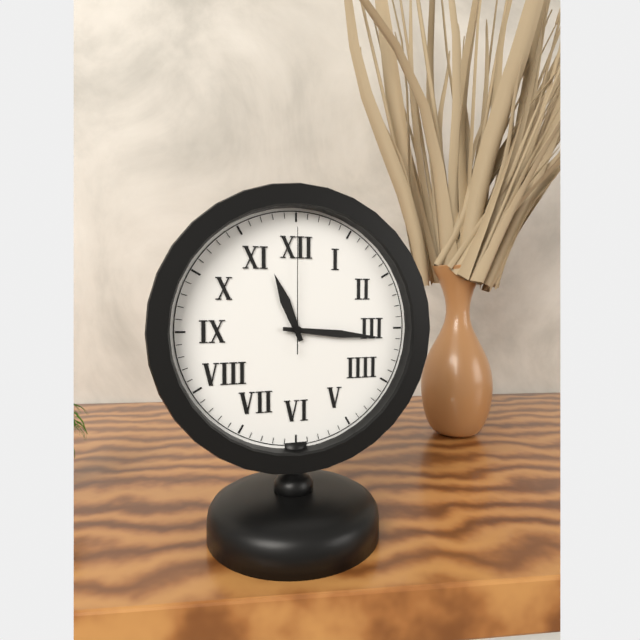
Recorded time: 11:16:00
